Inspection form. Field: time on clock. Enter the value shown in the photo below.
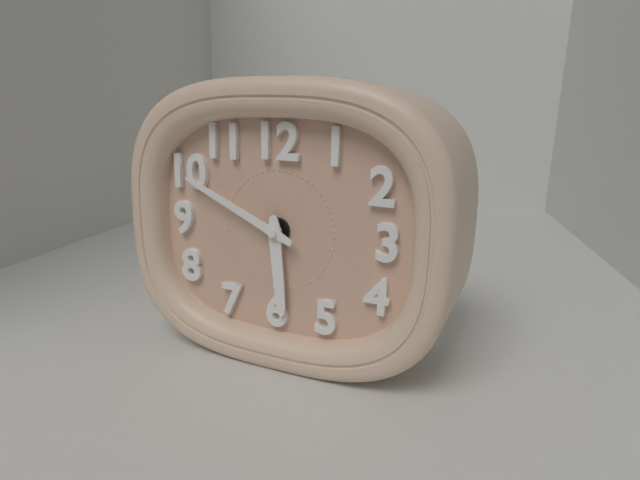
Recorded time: 5:49
